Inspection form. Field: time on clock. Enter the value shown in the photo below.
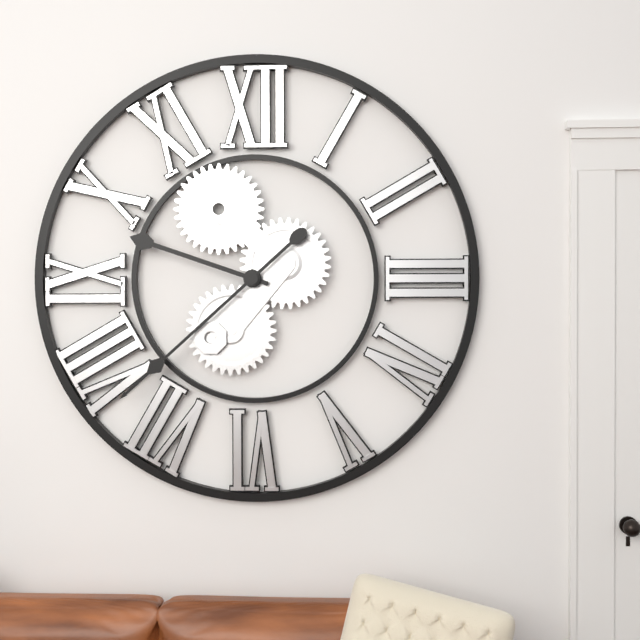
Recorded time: 9:38
